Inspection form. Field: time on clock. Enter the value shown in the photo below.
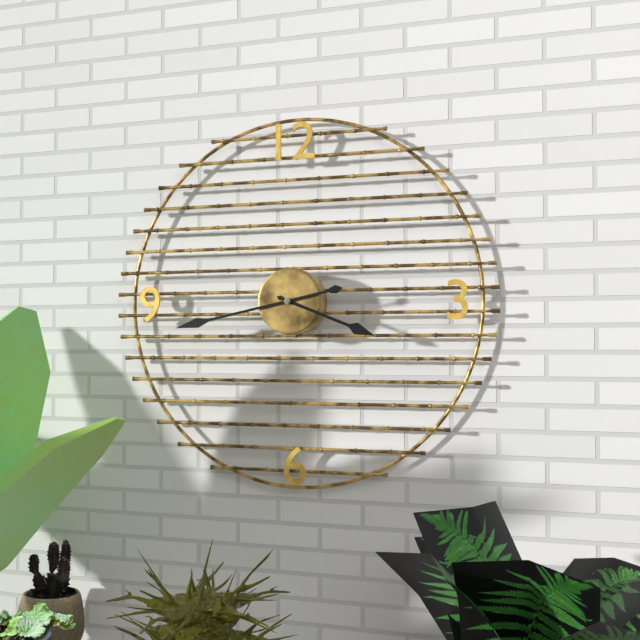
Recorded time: 3:43
